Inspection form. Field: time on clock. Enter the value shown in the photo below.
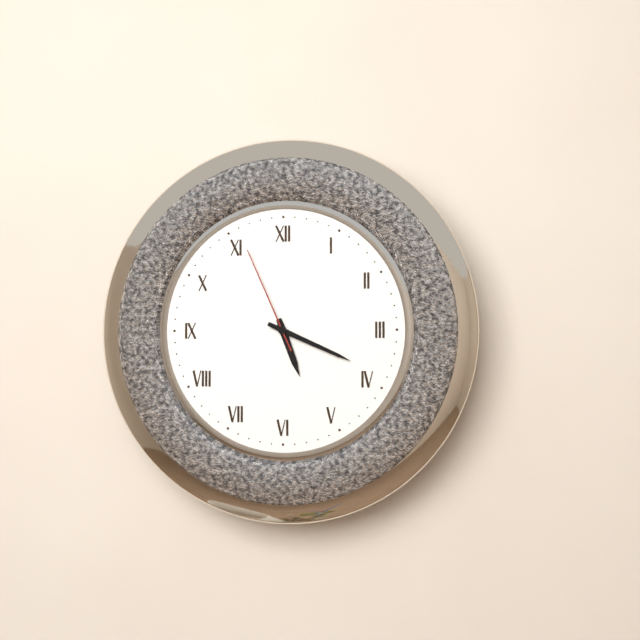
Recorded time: 5:19:56
